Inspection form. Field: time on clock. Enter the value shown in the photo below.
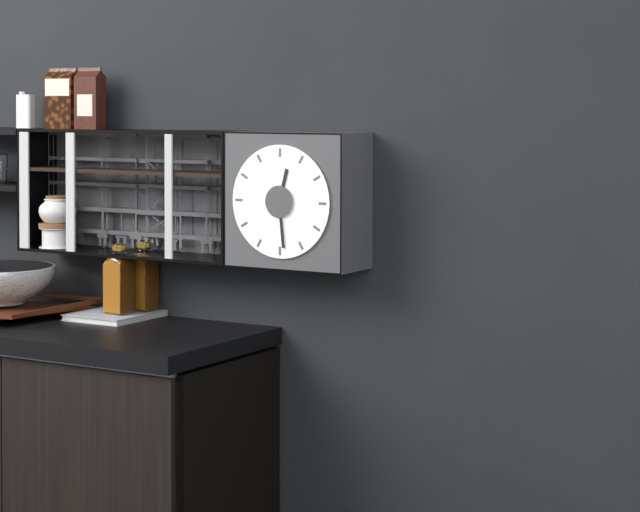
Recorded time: 12:29
